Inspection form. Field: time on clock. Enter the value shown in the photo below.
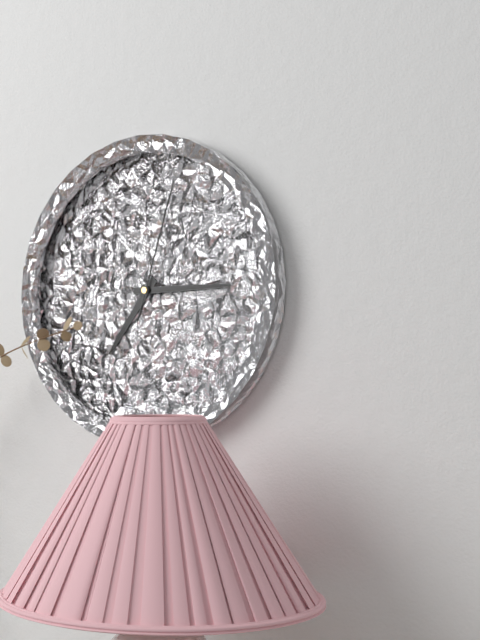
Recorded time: 7:15:03
